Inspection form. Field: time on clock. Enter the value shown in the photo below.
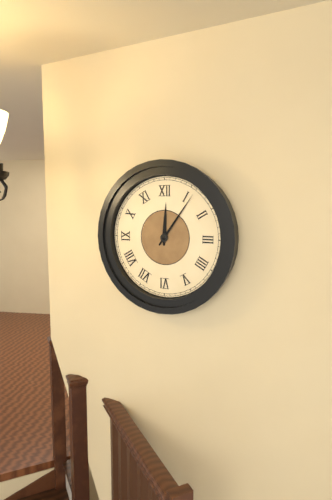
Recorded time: 12:06
